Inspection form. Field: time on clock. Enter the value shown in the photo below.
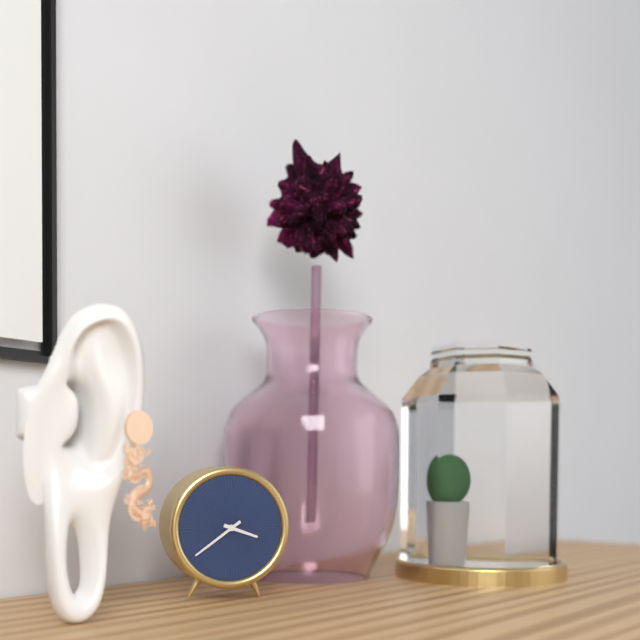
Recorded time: 3:39
